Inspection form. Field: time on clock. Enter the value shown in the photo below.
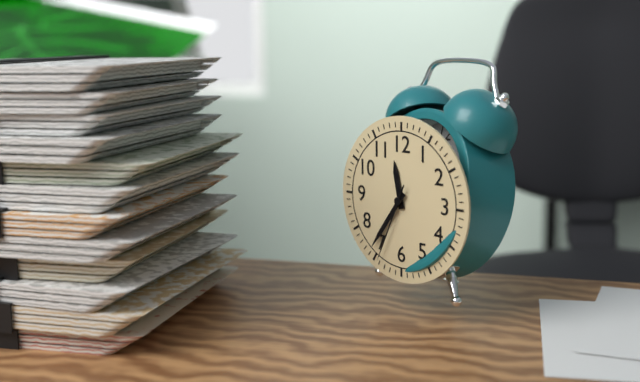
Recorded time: 11:36:34
